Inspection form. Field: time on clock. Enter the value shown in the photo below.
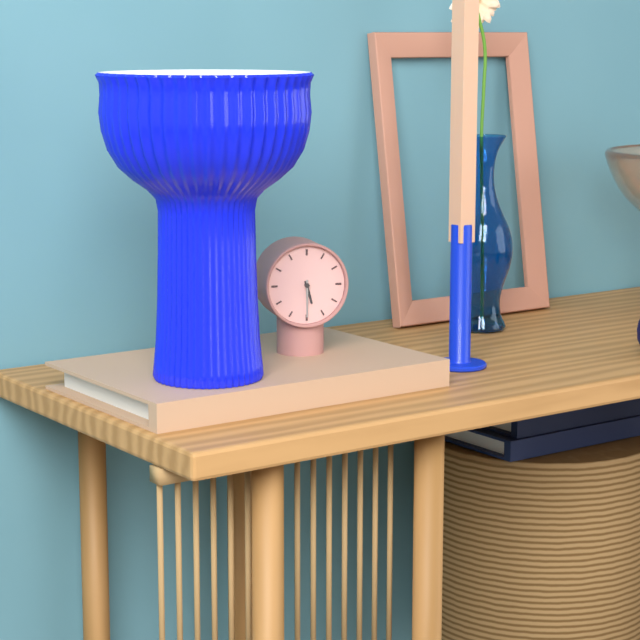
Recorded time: 5:30
